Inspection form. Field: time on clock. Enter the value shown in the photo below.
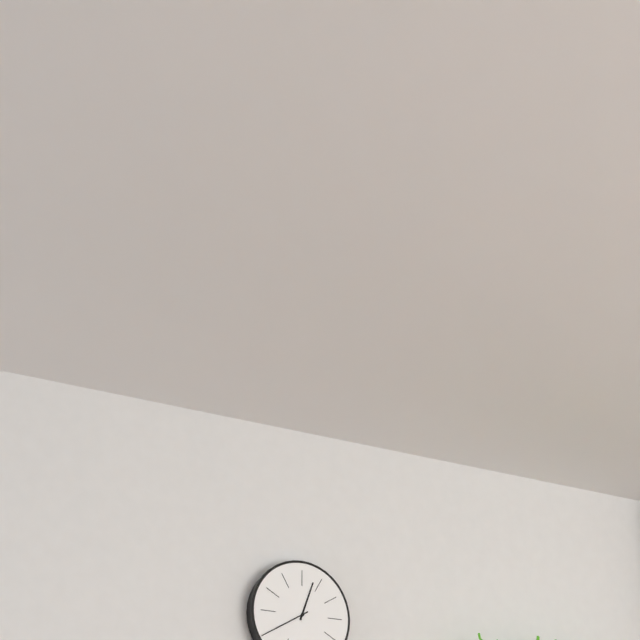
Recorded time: 12:40
